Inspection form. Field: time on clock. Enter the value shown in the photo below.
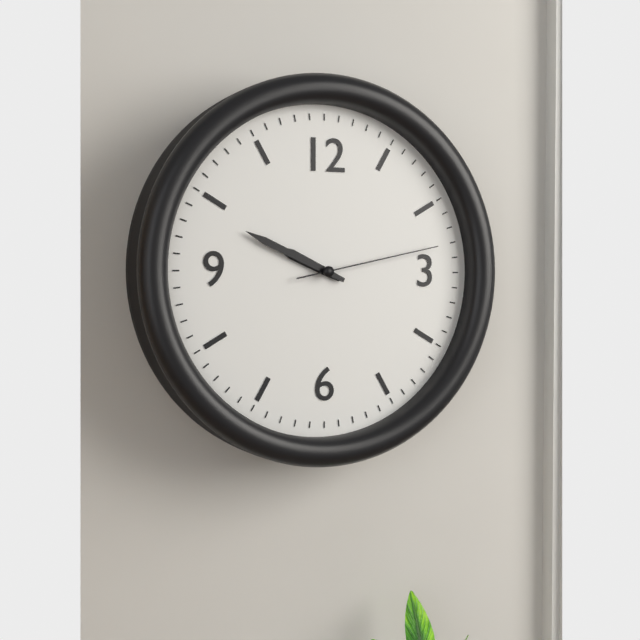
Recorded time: 9:49:13
